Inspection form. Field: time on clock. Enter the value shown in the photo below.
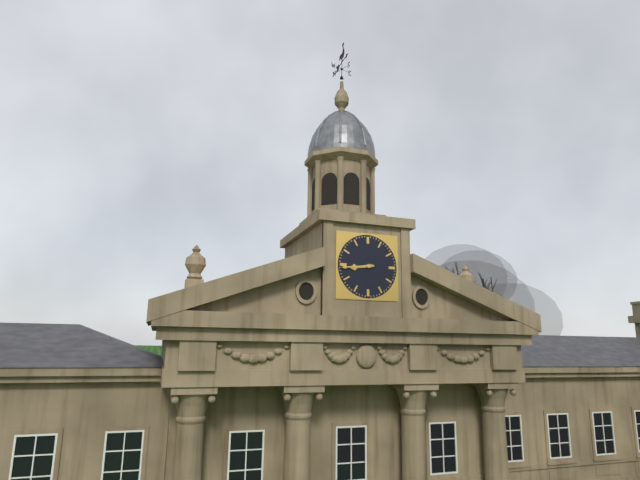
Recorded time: 8:44
